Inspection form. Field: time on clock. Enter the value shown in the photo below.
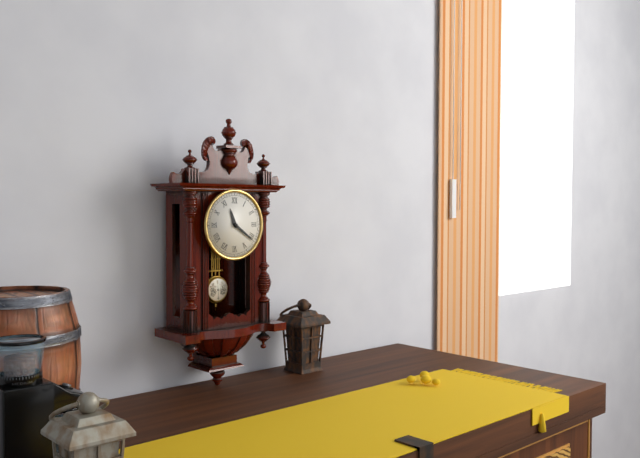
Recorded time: 11:21
